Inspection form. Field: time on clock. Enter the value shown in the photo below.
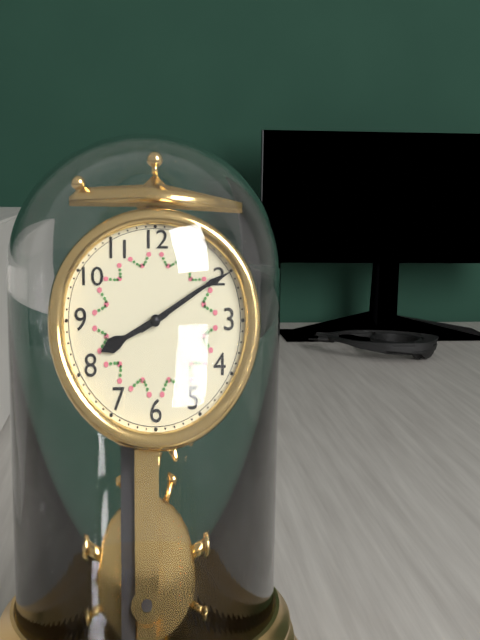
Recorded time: 8:10
